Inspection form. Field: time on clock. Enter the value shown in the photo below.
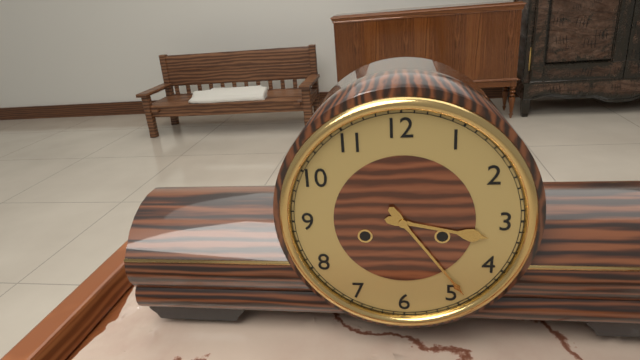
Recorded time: 3:24
